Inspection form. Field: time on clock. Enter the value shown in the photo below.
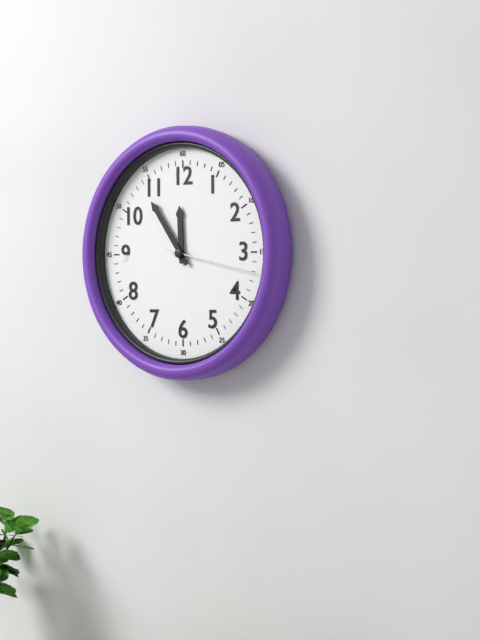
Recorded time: 11:54:17
